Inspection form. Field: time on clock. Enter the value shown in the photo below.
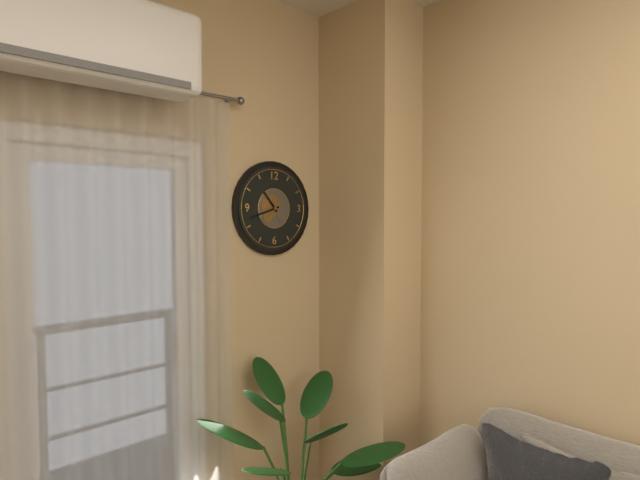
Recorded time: 10:42
